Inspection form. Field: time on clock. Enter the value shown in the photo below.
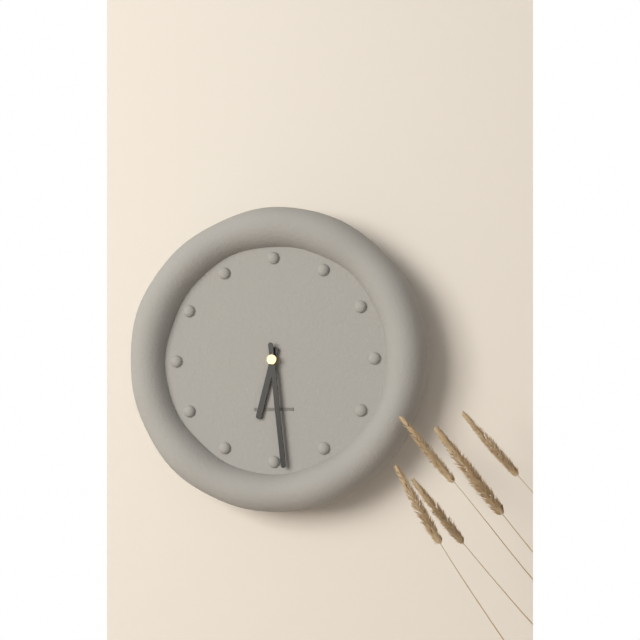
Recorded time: 6:29
